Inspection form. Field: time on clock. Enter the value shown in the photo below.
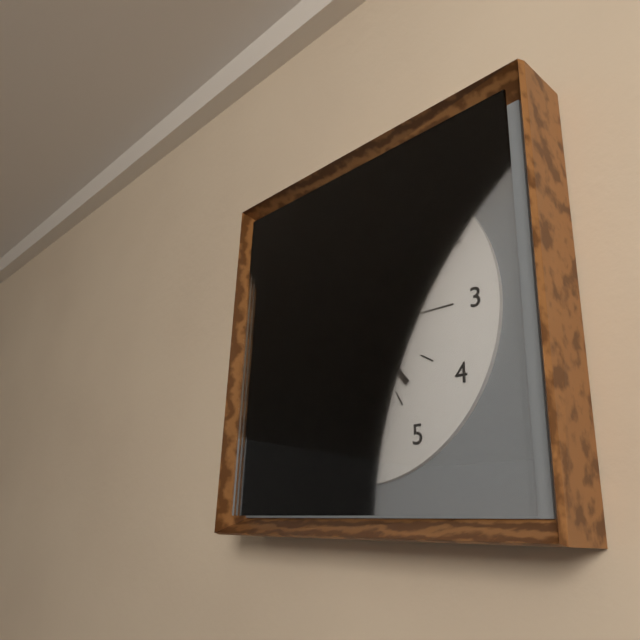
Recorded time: 4:38:53
